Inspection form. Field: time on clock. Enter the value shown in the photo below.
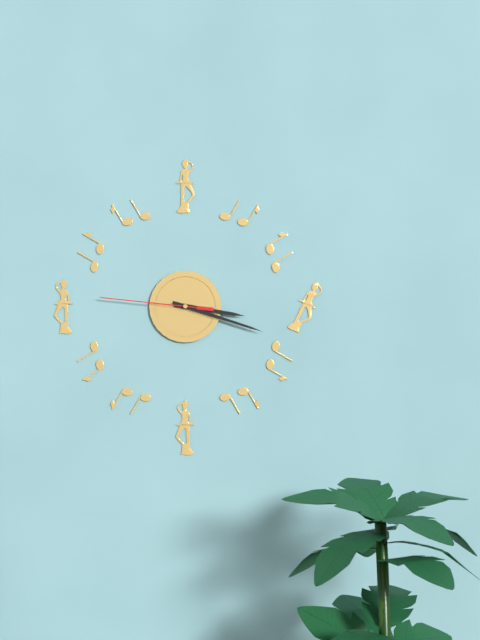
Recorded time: 3:18:46
